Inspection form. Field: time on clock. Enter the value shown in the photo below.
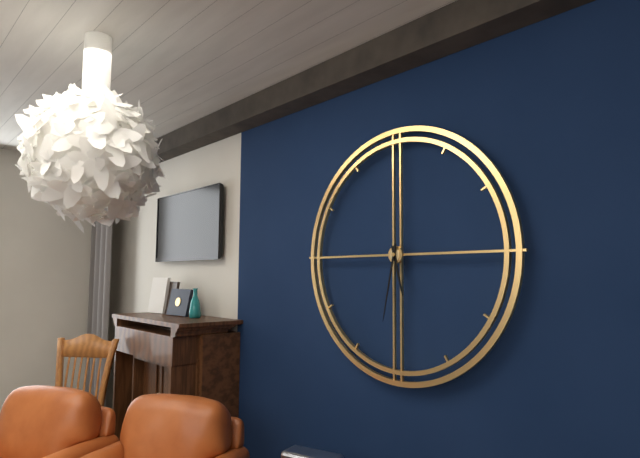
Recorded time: 5:32
